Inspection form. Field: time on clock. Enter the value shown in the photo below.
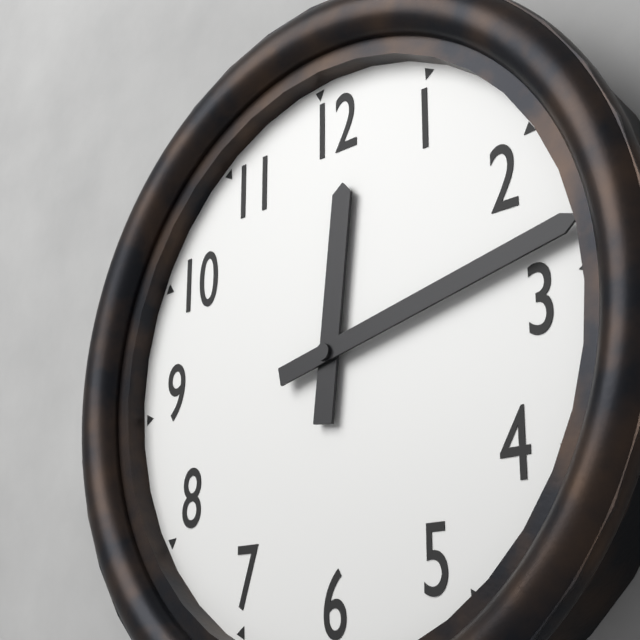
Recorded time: 12:13
